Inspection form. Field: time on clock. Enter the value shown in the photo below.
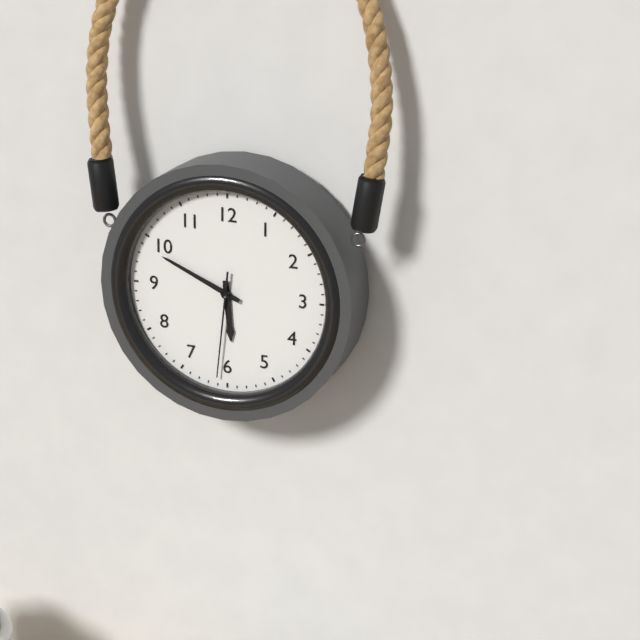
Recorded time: 5:49:31
